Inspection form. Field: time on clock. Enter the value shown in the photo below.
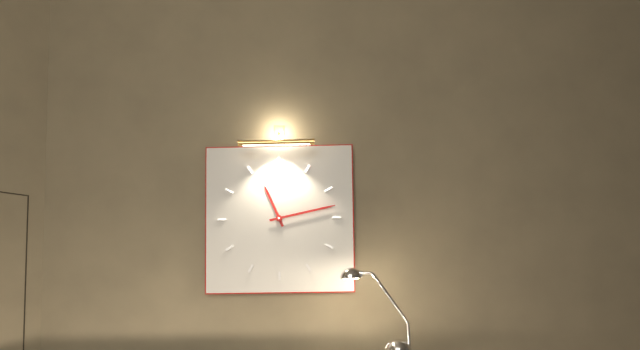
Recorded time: 11:13
